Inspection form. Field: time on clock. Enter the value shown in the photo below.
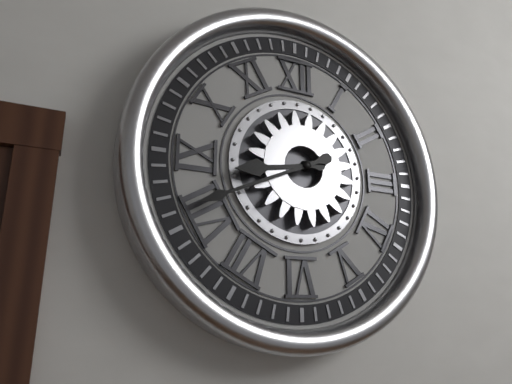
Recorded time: 8:41
